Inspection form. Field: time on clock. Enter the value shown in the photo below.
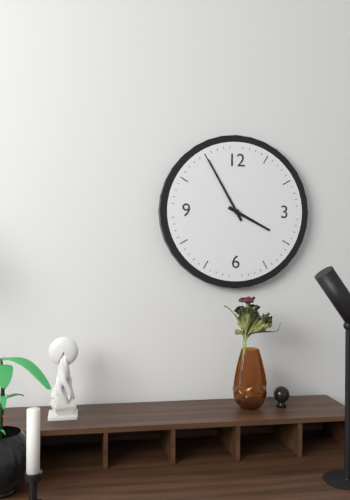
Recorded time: 3:55
